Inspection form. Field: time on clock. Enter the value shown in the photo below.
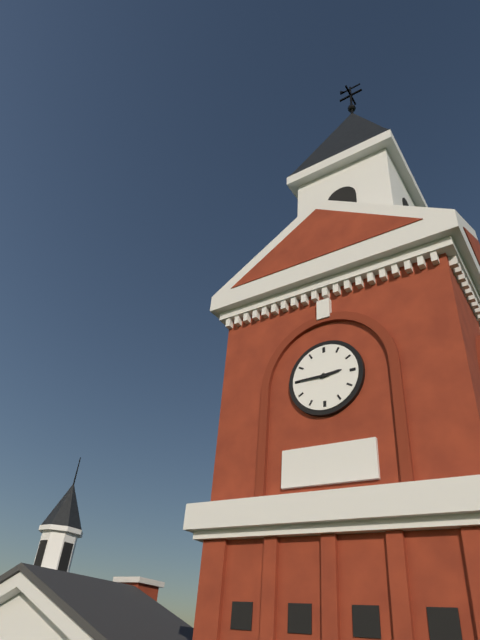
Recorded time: 2:45
